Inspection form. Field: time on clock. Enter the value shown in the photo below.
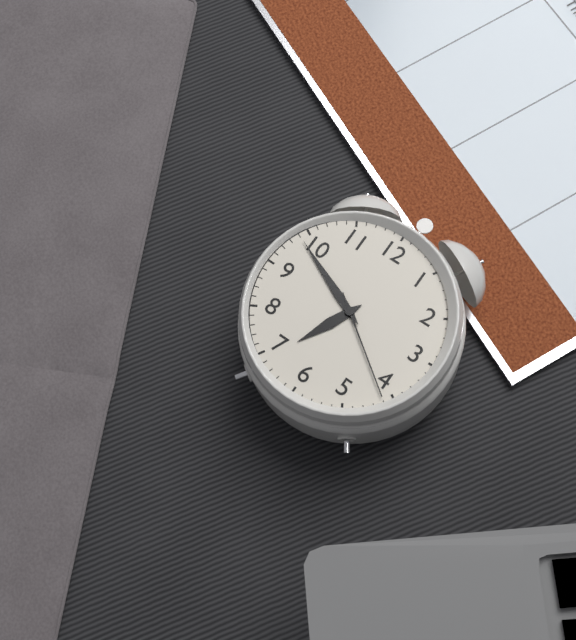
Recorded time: 6:49:21
